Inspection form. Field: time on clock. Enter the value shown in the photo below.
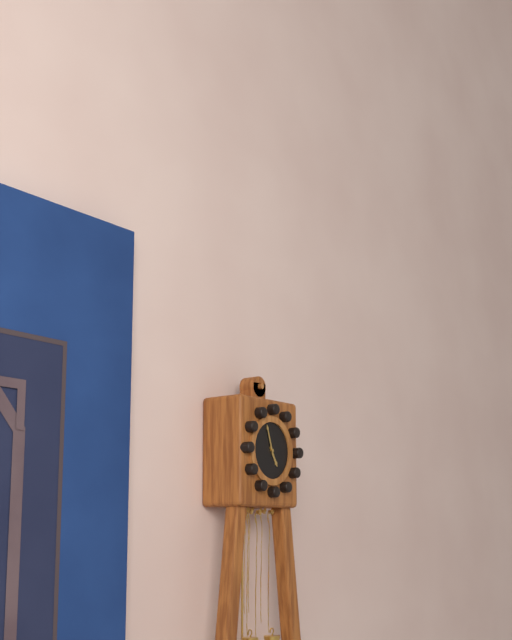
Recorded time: 4:57
